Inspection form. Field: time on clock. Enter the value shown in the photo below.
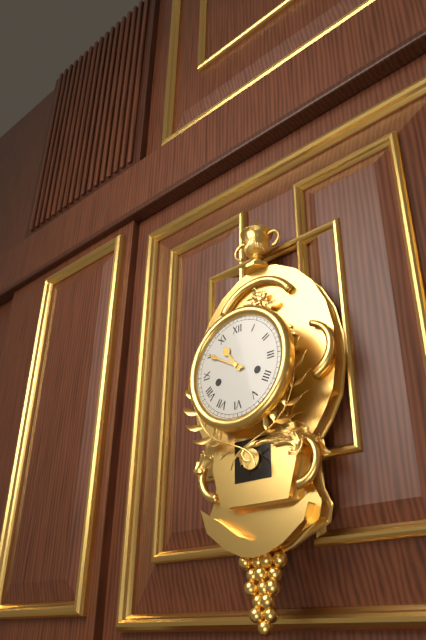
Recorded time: 10:50
